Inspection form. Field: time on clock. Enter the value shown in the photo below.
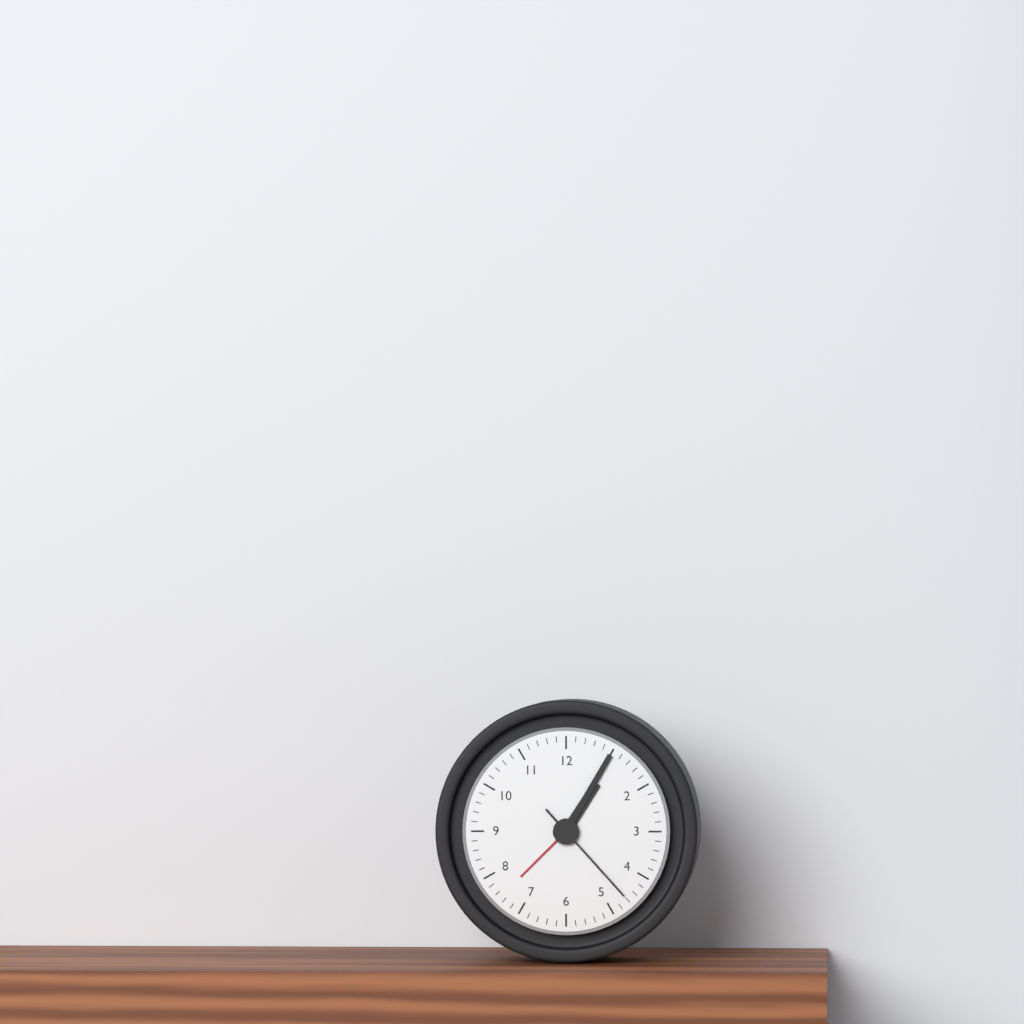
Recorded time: 1:05:23
